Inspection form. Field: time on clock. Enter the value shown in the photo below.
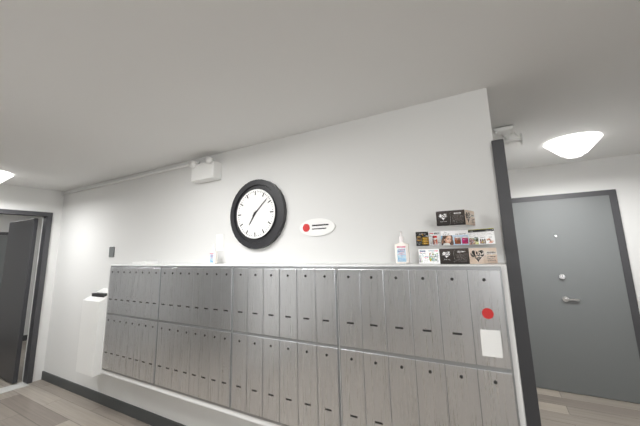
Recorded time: 7:08
